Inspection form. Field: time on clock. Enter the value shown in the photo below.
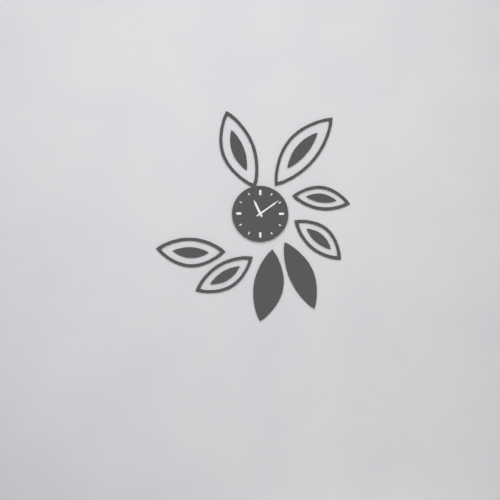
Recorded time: 11:09
